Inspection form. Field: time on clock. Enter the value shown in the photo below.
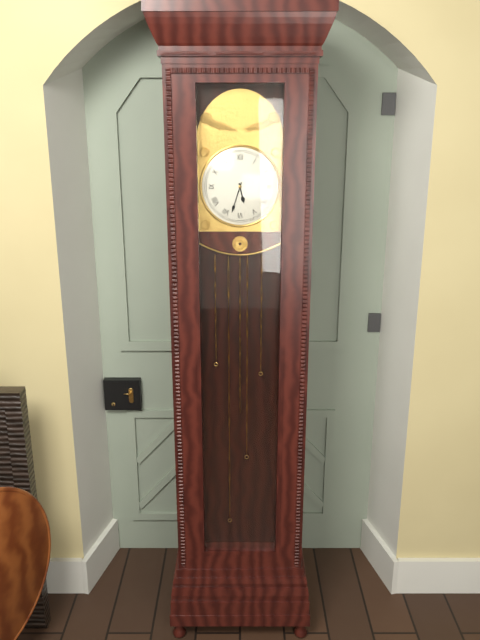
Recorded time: 5:33
